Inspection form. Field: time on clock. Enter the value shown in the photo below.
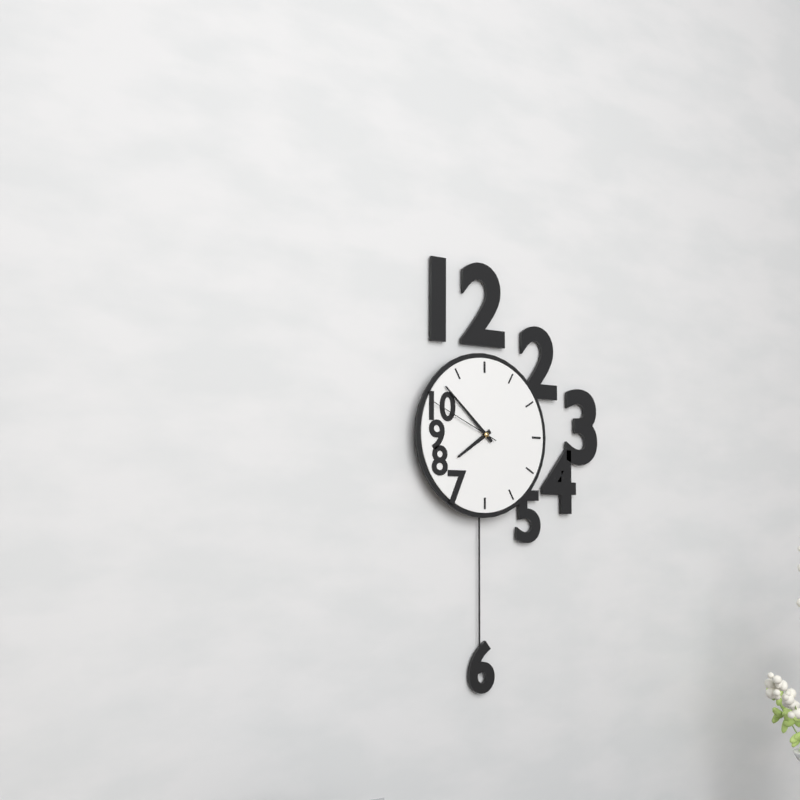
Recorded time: 7:52:49
